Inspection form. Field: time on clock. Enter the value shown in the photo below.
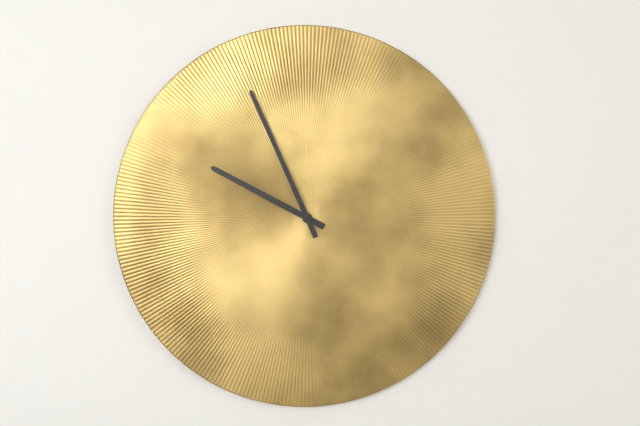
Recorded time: 9:56
